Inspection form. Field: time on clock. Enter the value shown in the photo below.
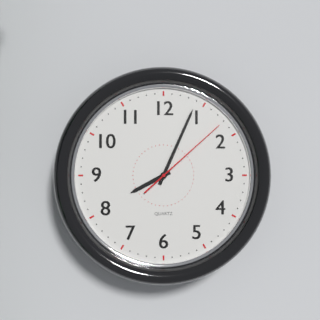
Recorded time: 8:04:08
